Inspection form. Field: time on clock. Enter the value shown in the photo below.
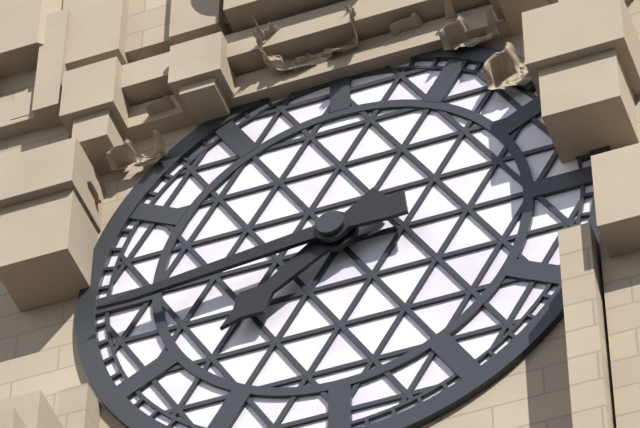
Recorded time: 7:44
